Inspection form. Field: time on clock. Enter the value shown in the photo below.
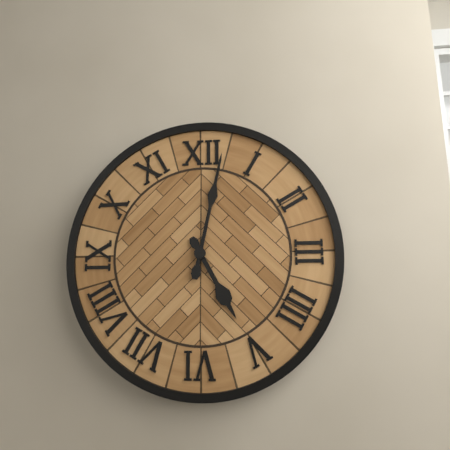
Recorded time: 5:02
